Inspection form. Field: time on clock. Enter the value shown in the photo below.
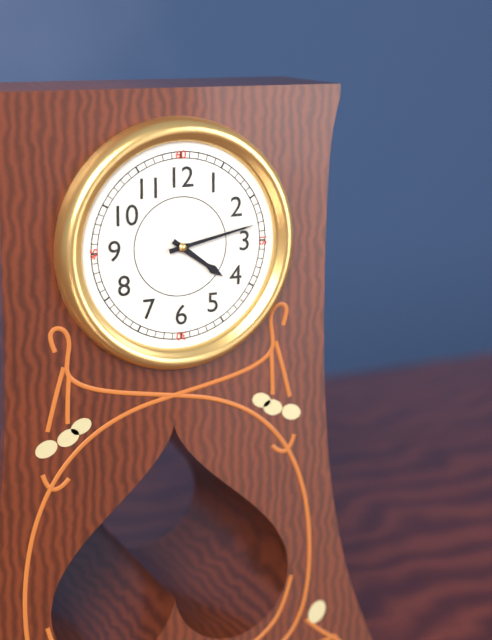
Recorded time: 4:13
